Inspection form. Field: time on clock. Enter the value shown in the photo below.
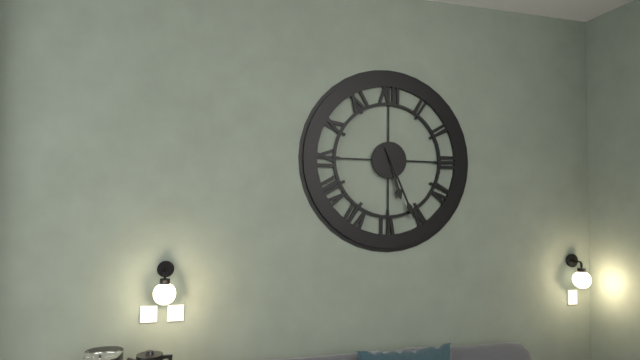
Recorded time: 5:26
